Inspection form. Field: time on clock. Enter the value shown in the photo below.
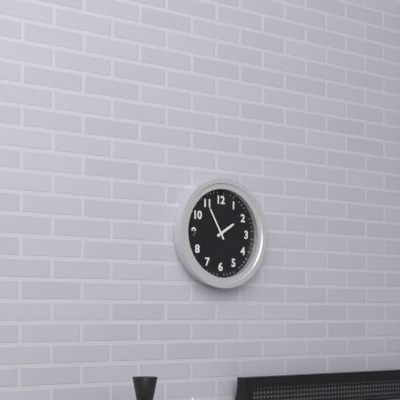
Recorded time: 1:55
